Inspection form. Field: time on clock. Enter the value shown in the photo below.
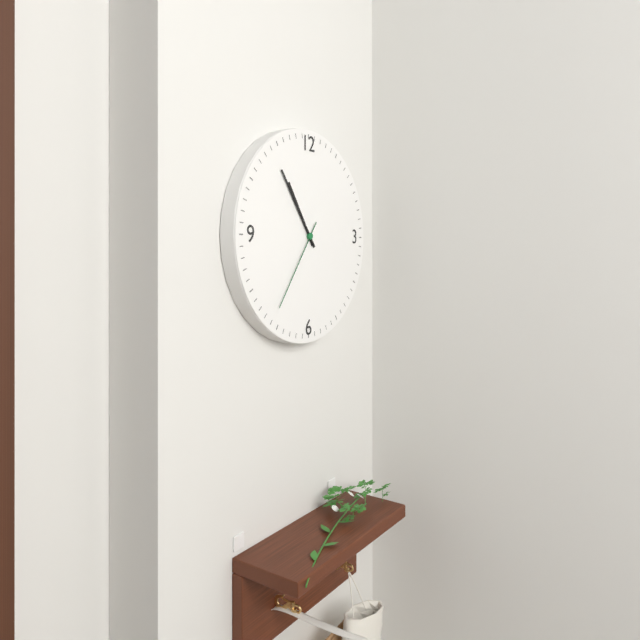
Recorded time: 10:54:36
